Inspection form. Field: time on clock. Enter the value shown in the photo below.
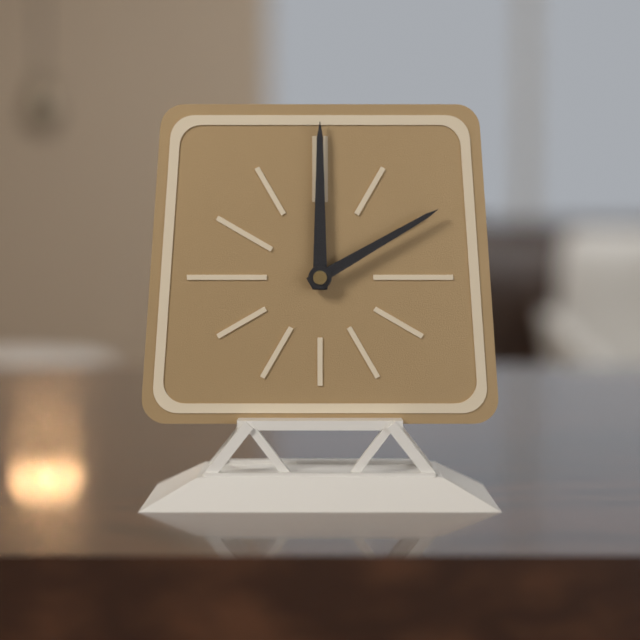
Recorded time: 12:00:10
